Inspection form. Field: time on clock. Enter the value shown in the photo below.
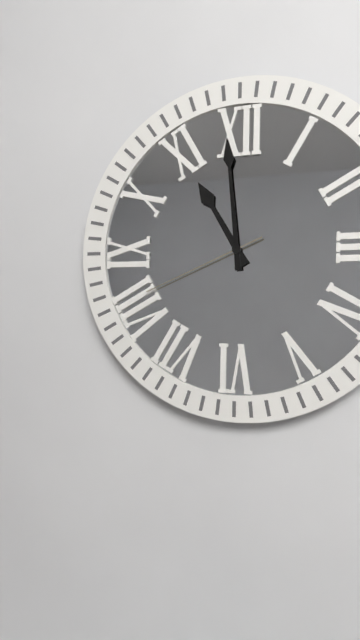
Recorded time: 10:59:41
